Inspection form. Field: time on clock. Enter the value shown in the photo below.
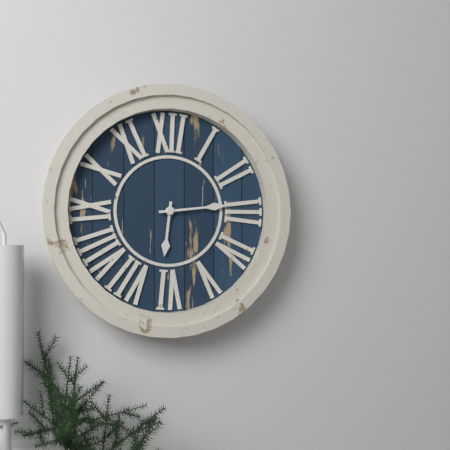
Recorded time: 6:14
